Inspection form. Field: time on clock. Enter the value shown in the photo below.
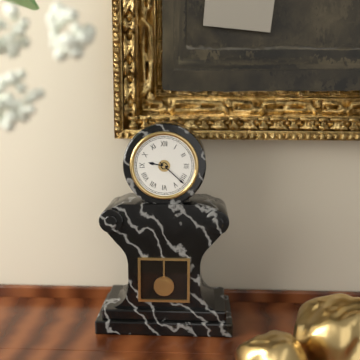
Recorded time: 9:22
